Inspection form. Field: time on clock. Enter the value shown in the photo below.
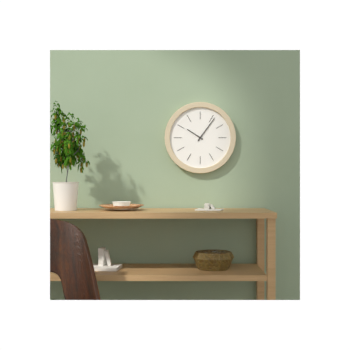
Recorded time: 10:06
